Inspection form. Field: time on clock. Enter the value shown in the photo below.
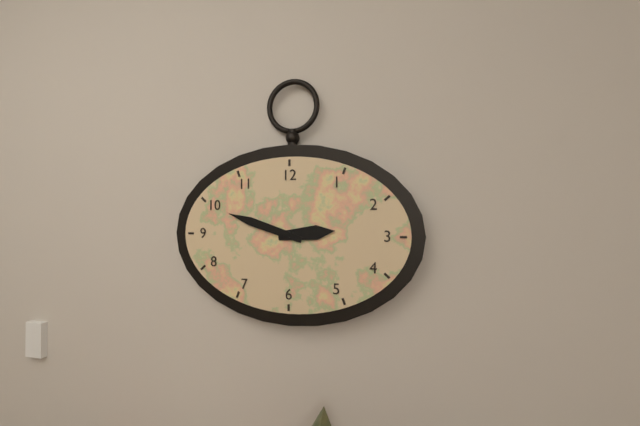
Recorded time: 2:48
